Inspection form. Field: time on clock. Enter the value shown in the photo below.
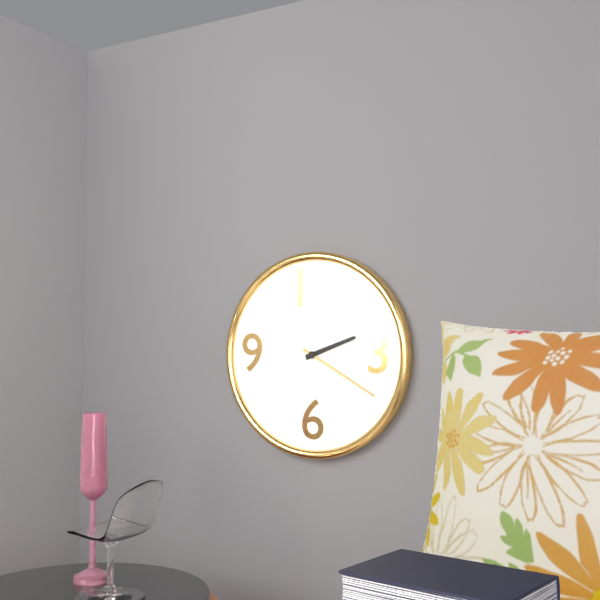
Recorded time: 2:20
